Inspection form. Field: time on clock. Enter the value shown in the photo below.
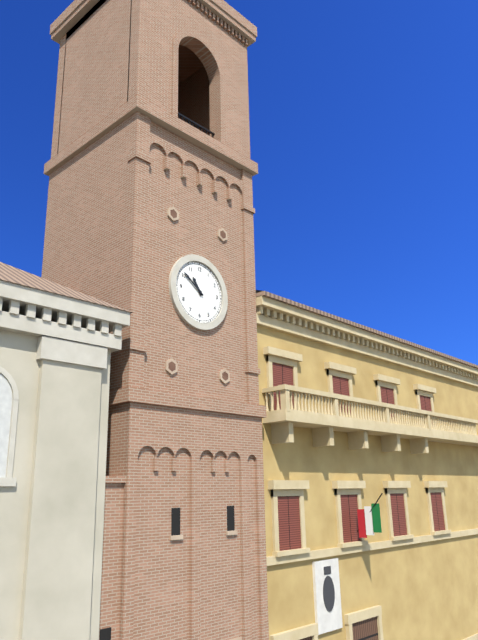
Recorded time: 10:51
